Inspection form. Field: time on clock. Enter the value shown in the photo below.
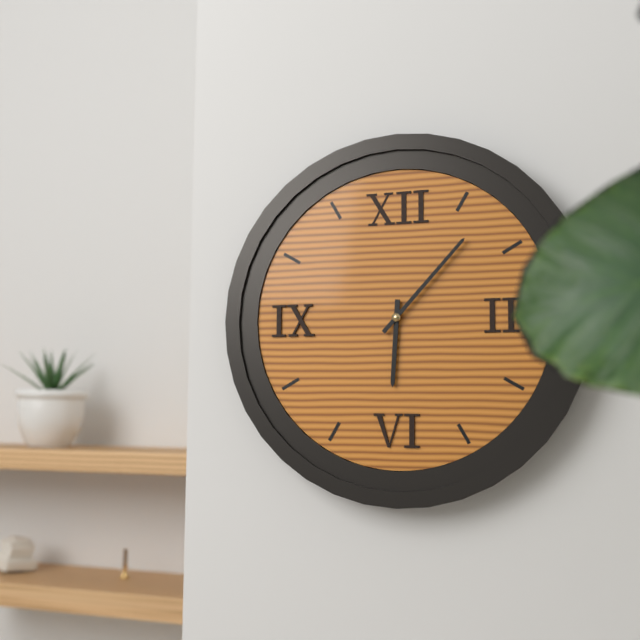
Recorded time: 6:07
